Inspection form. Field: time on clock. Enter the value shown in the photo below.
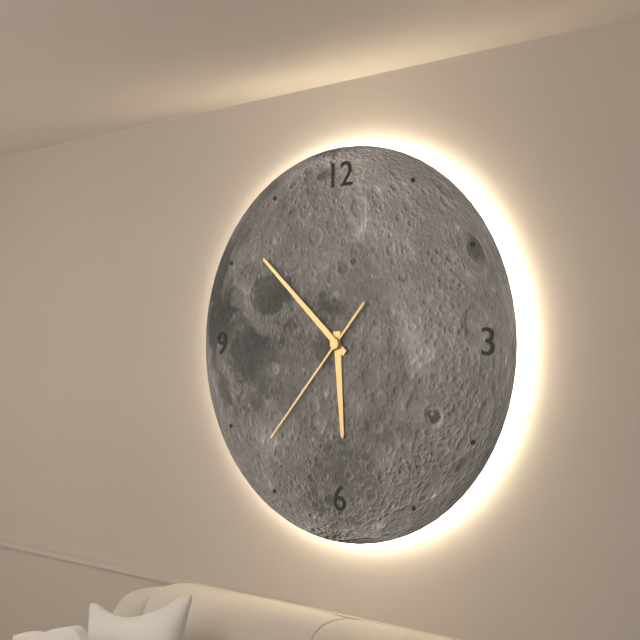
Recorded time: 5:52:37
